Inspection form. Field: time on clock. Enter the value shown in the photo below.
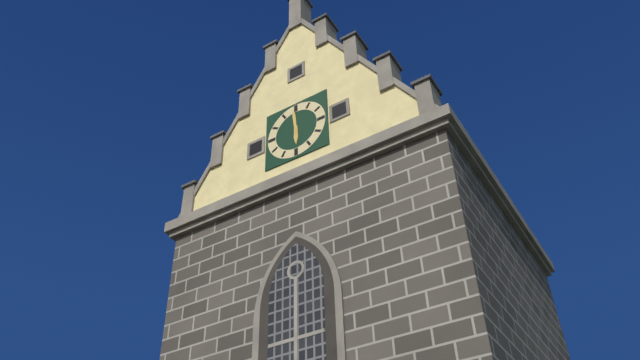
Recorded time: 5:59
